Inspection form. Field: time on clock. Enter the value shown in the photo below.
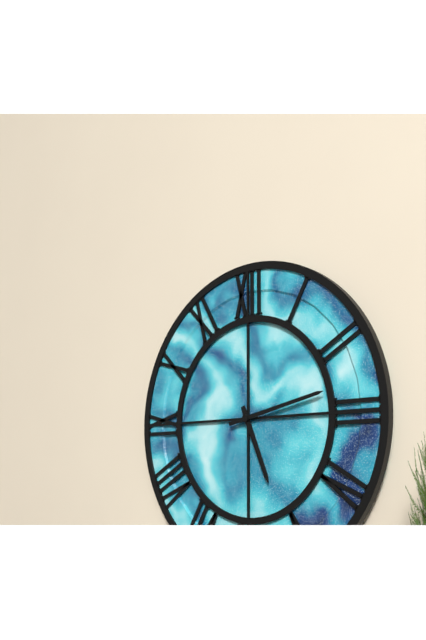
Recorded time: 5:13
